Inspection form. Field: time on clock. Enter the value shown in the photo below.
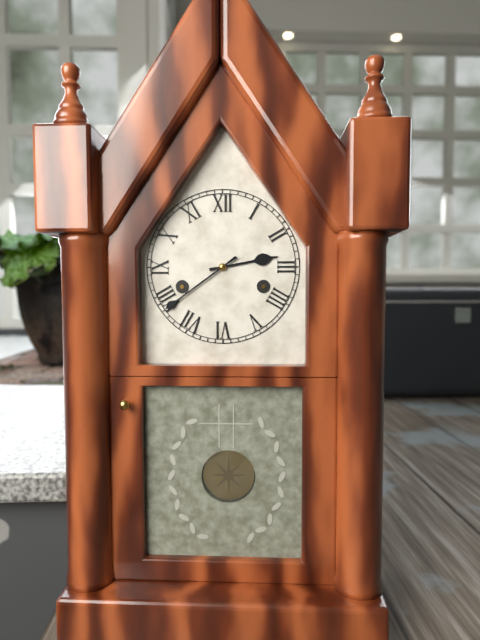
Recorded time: 2:39
